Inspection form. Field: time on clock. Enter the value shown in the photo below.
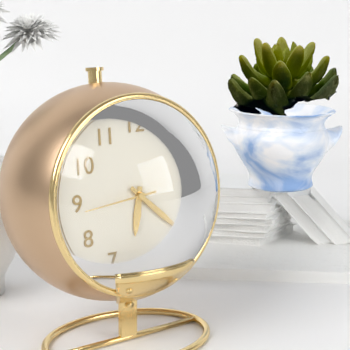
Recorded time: 6:22:44
